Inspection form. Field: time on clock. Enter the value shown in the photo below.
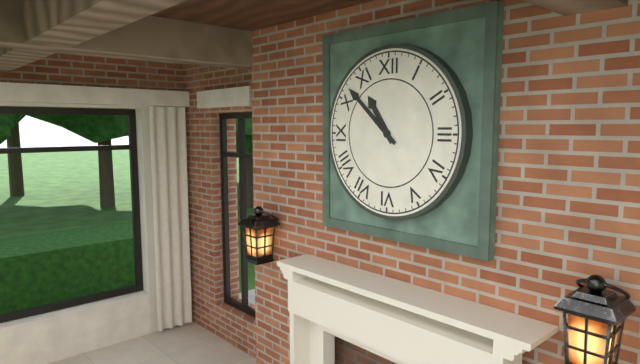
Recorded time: 10:52
